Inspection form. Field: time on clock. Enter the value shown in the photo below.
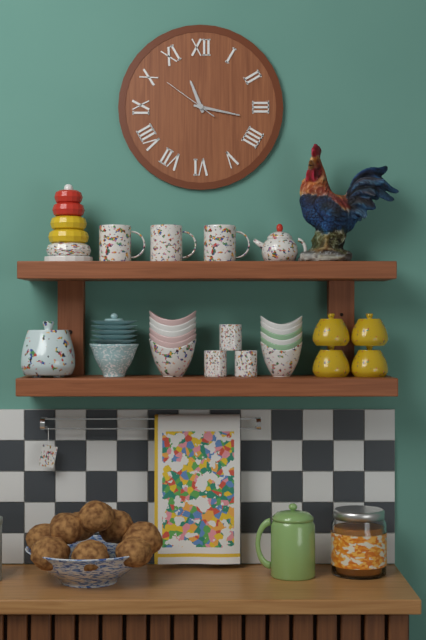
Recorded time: 11:17:51
